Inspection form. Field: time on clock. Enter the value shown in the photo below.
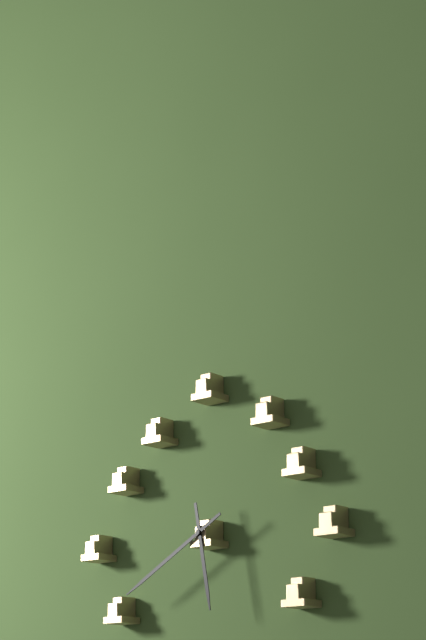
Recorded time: 5:40
